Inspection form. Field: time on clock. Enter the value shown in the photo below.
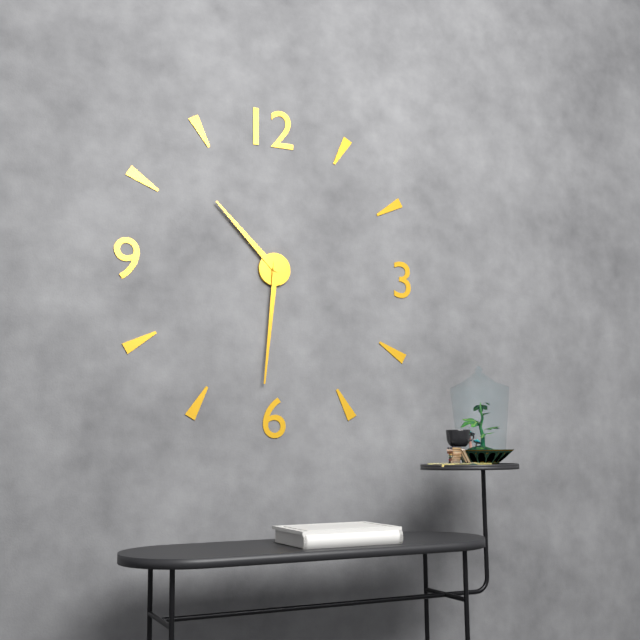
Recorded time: 10:31
